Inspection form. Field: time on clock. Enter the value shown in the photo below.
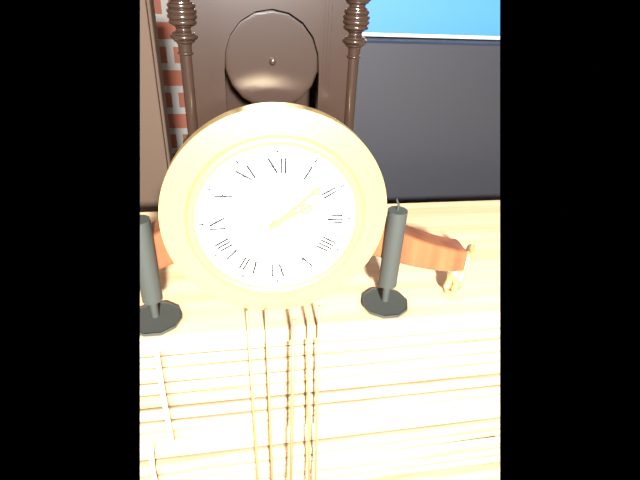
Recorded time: 2:08
